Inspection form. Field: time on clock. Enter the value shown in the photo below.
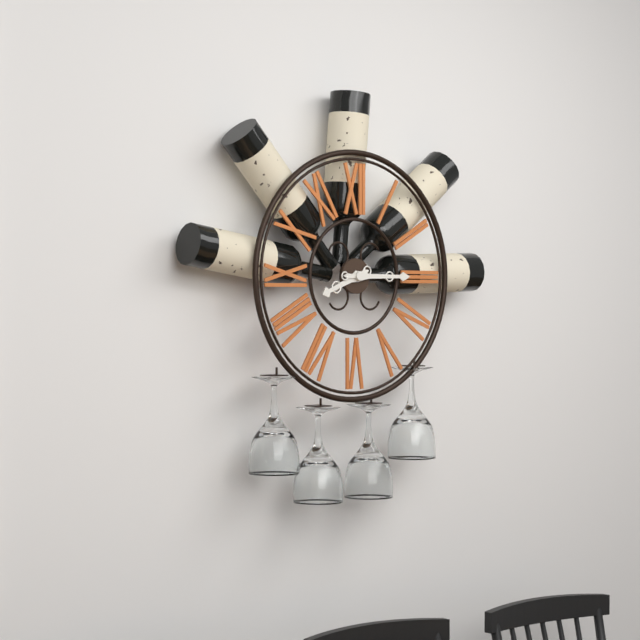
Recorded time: 8:15
